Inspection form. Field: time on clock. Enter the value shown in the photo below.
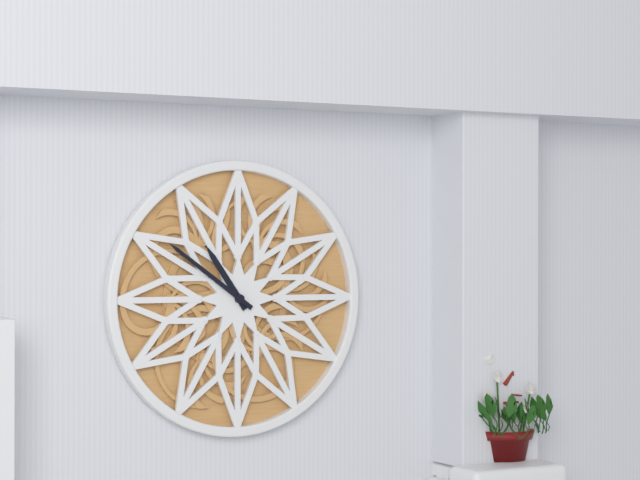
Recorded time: 10:51
